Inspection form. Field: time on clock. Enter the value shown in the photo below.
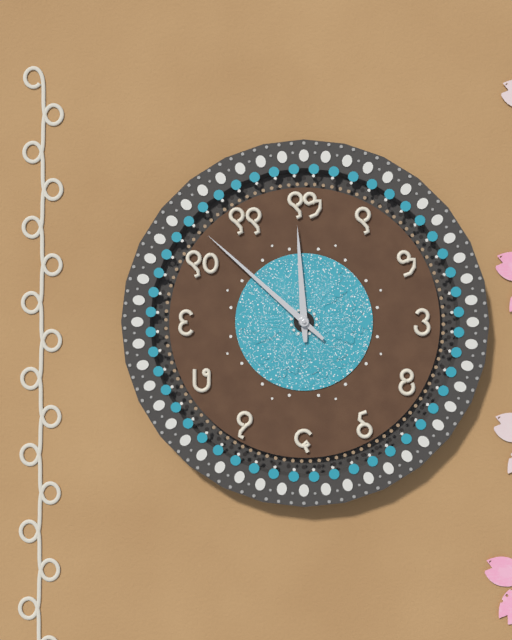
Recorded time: 11:52
